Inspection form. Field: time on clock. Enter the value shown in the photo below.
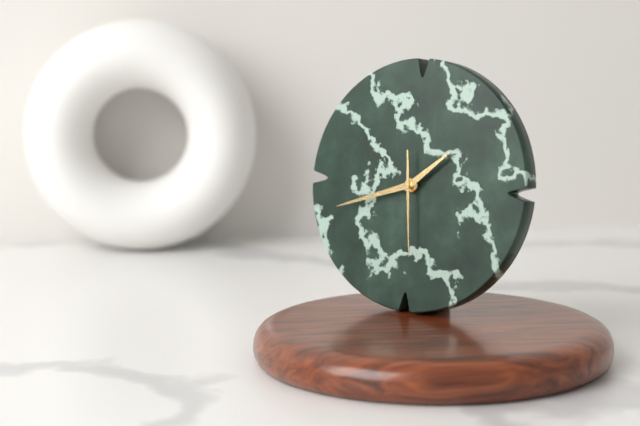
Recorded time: 1:42:29
